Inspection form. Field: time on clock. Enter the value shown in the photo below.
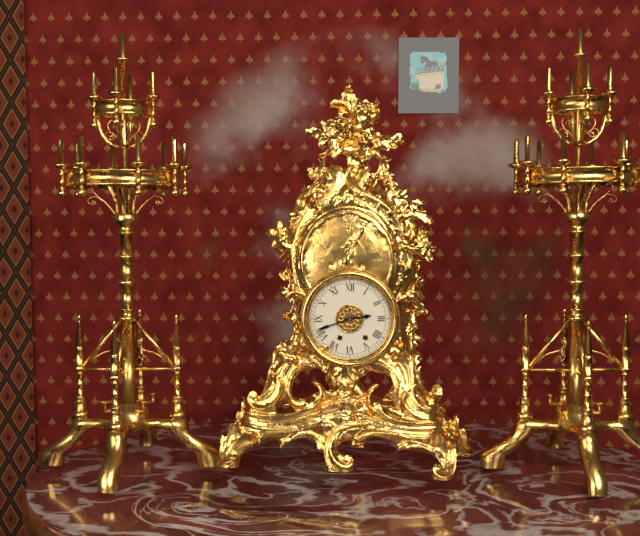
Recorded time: 2:42
